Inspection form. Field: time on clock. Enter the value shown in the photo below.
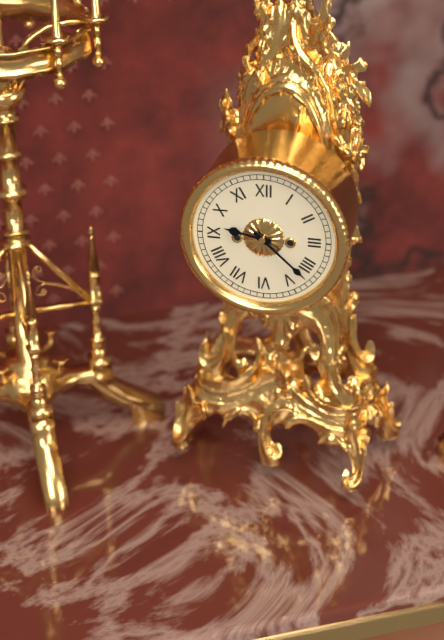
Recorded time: 9:22
